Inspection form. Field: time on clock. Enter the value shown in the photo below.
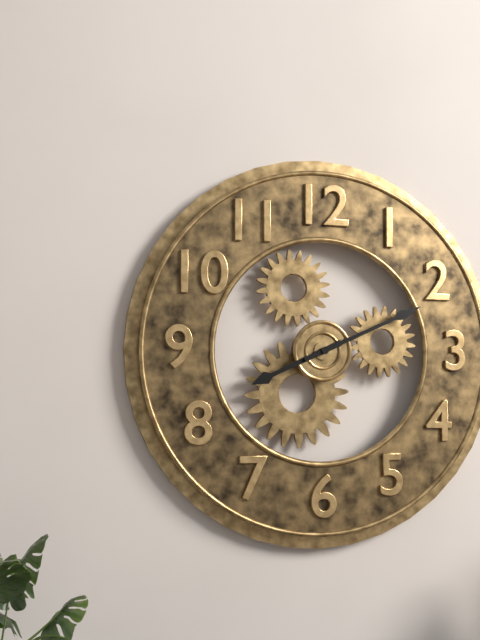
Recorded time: 8:11
